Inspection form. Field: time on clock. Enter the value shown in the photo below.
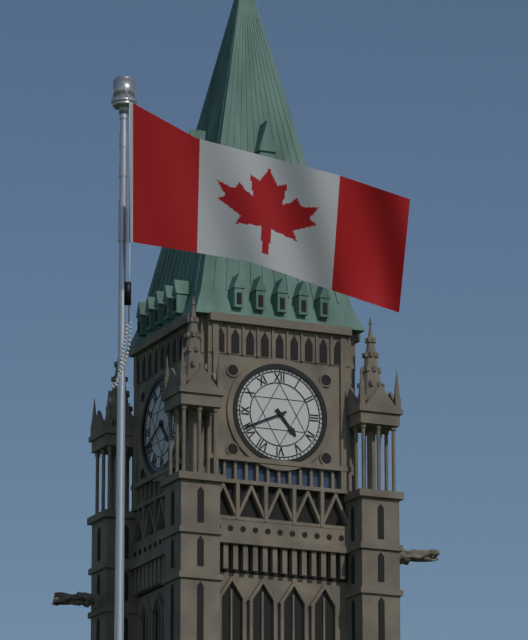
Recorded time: 4:41
